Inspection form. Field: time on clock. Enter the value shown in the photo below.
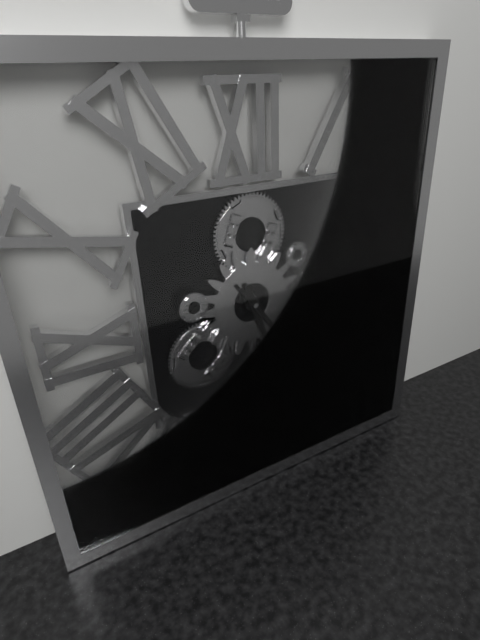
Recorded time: 5:24
